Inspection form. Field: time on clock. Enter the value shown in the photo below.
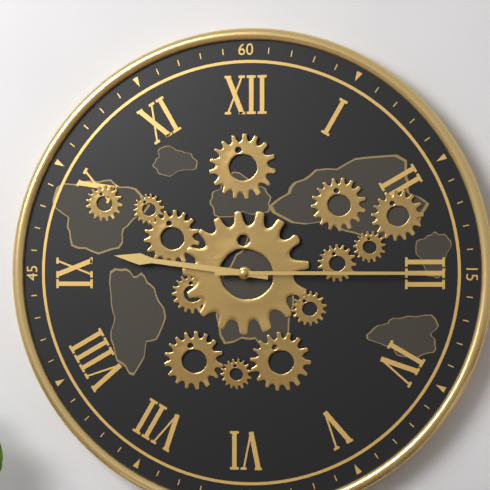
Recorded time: 9:15
